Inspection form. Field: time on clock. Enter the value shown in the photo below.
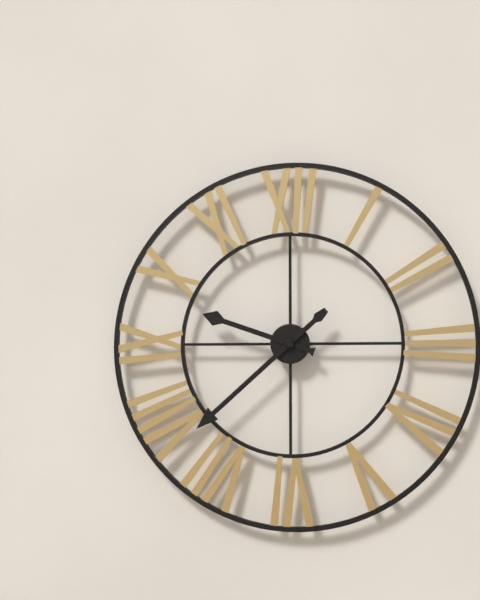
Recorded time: 9:38
